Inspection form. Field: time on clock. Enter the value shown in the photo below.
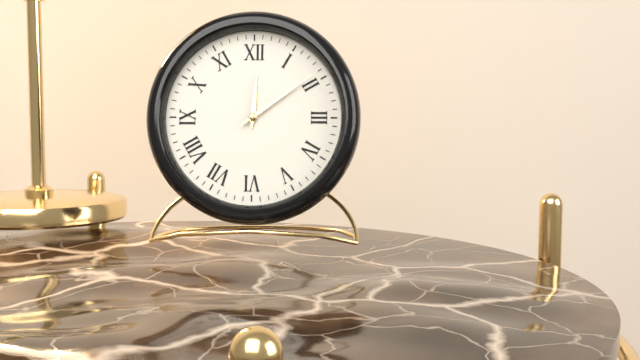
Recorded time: 12:09
